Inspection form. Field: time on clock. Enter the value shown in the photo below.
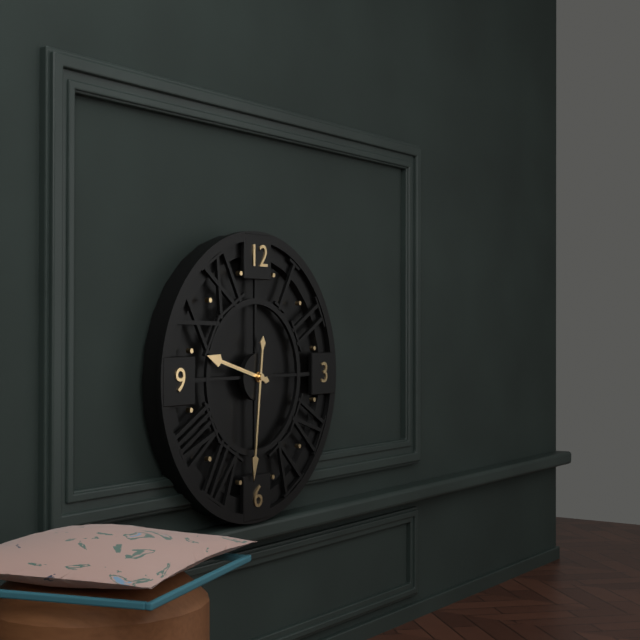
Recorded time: 9:31
